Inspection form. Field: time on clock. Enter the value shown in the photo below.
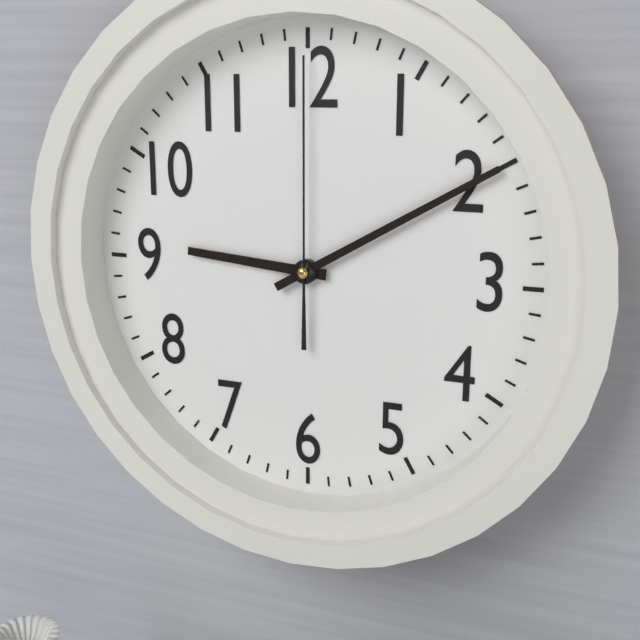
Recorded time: 9:10:00
